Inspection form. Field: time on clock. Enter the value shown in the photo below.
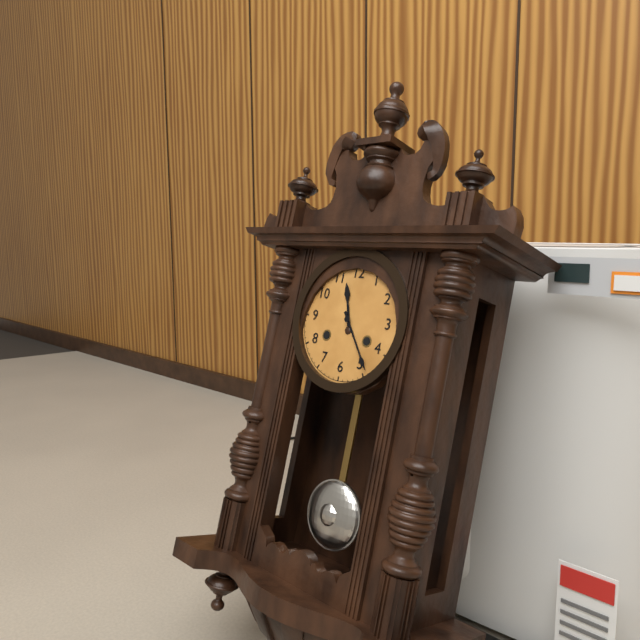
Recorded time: 11:24
